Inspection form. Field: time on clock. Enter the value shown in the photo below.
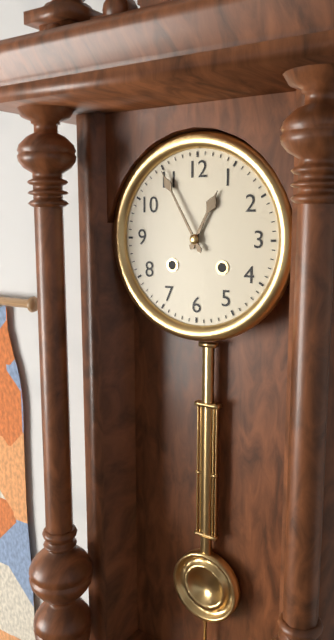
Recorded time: 12:55
